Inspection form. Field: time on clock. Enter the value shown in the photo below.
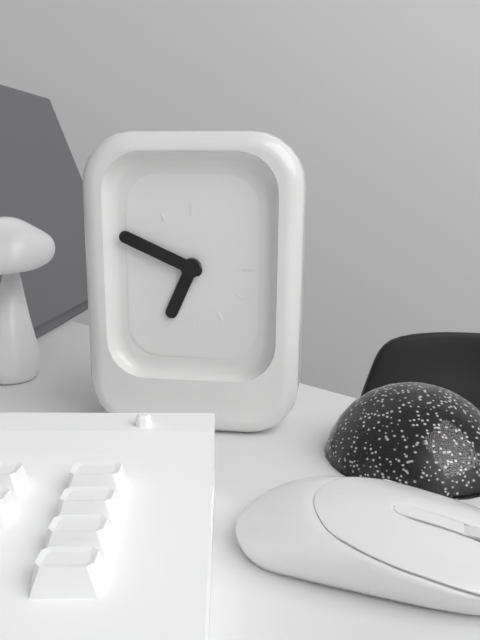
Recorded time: 6:49
